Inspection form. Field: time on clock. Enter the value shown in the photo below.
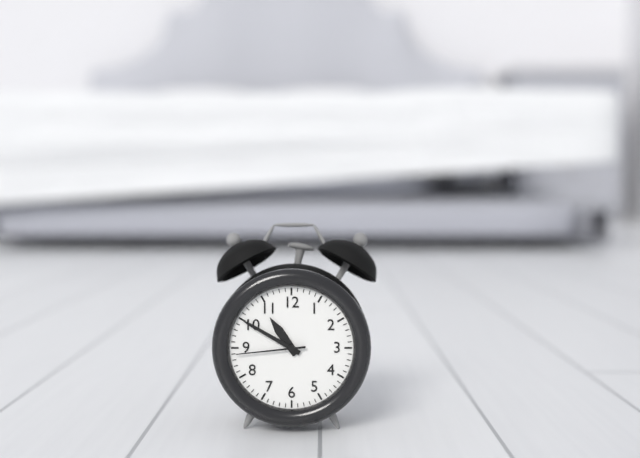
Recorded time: 10:50:44
